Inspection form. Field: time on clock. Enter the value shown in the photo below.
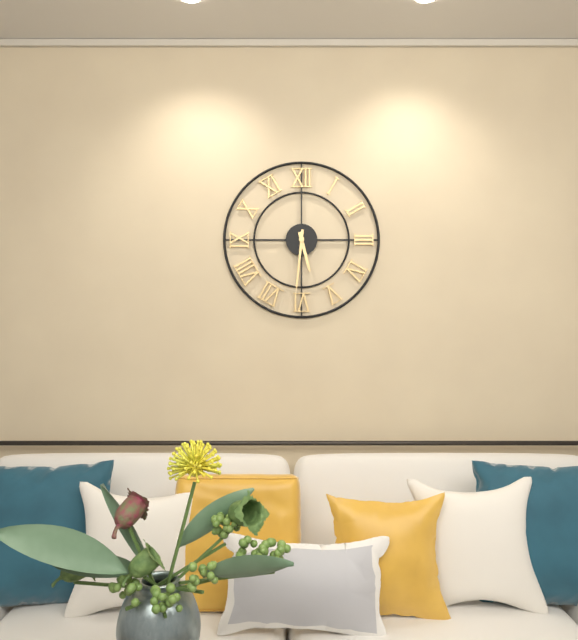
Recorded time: 5:31
